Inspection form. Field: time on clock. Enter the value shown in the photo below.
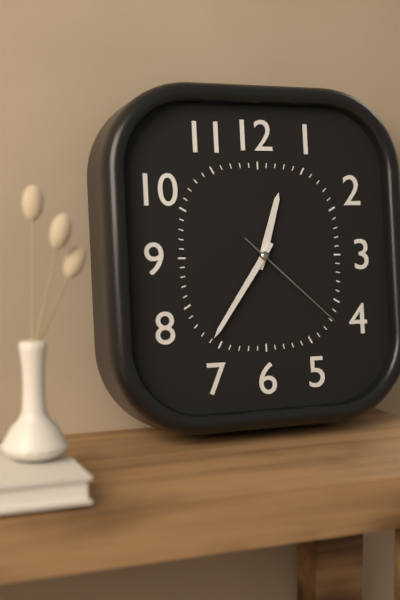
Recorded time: 12:36:22
